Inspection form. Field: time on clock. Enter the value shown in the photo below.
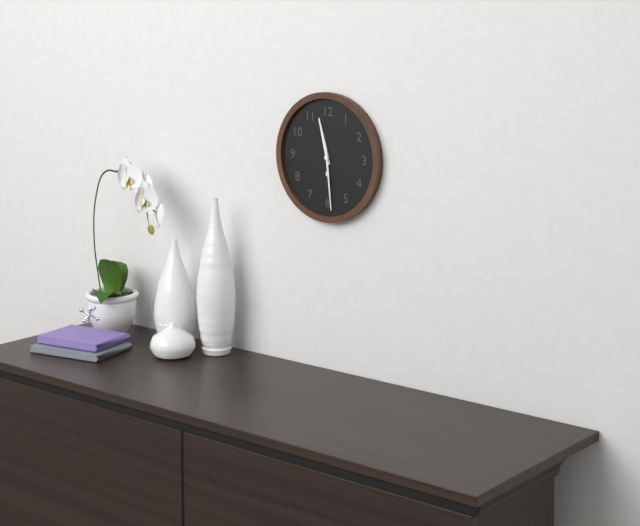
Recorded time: 11:29
